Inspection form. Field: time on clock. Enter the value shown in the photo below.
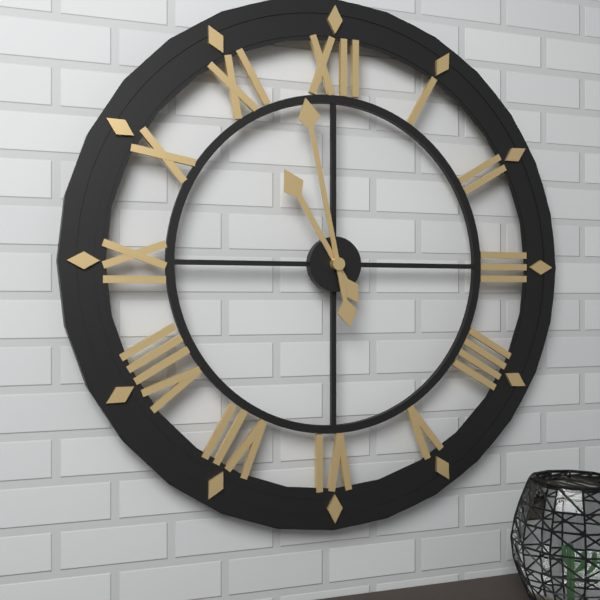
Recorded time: 10:58
